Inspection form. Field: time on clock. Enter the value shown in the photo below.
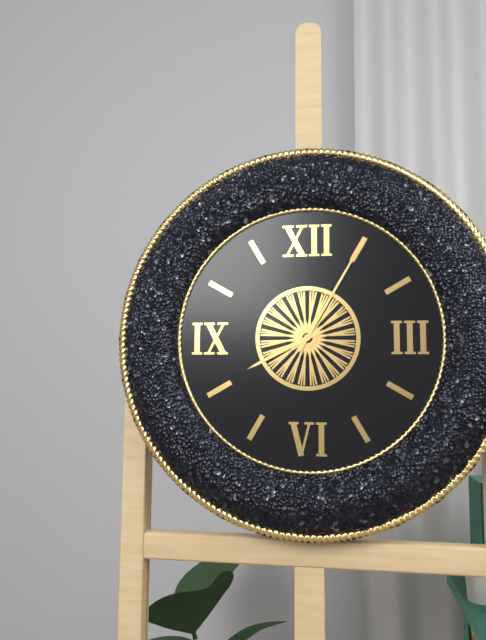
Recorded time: 8:05
